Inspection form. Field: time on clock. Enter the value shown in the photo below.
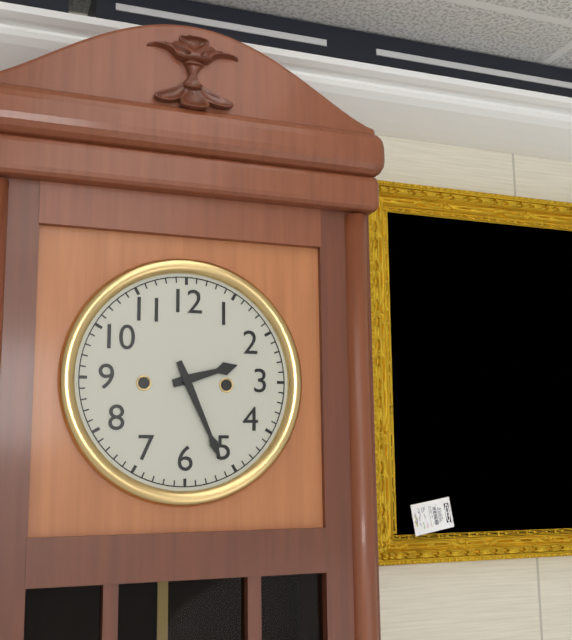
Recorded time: 2:26
